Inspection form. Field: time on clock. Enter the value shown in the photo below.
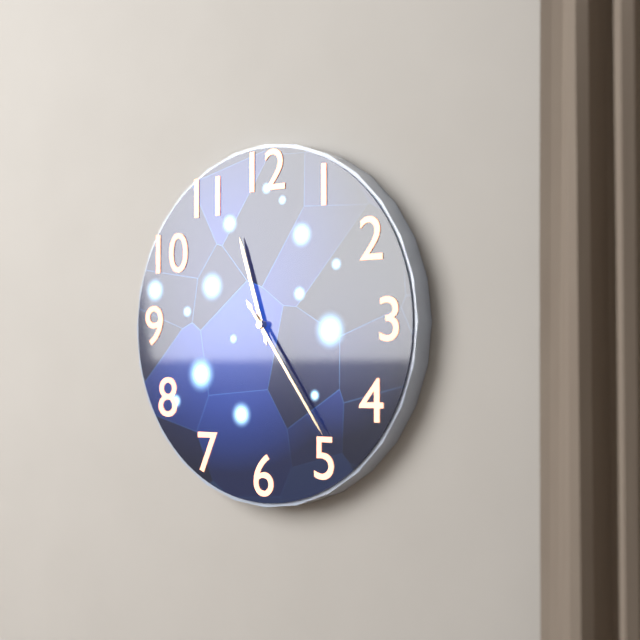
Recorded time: 11:24
